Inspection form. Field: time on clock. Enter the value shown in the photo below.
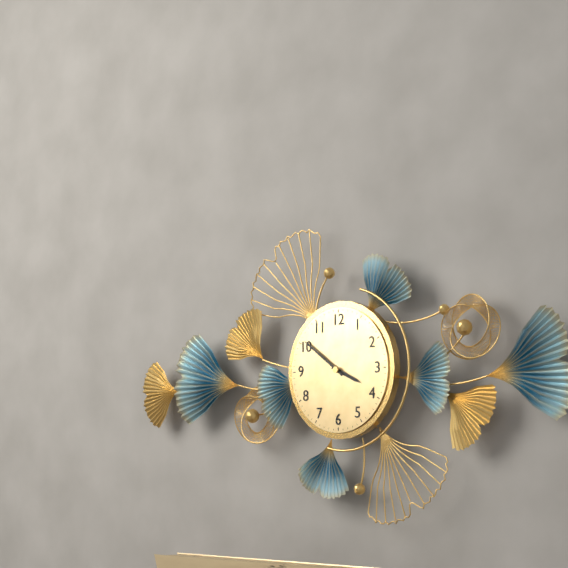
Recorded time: 3:51
